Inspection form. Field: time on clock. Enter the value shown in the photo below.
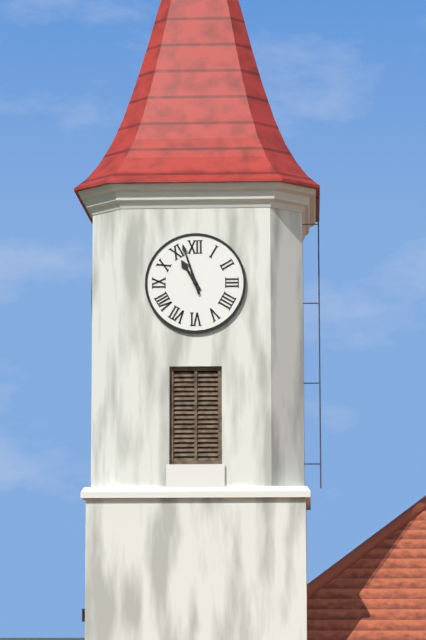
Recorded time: 10:57
